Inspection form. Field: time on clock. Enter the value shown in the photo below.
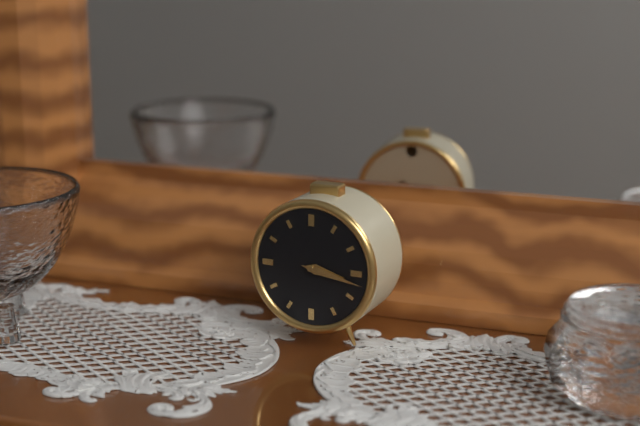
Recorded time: 3:17
